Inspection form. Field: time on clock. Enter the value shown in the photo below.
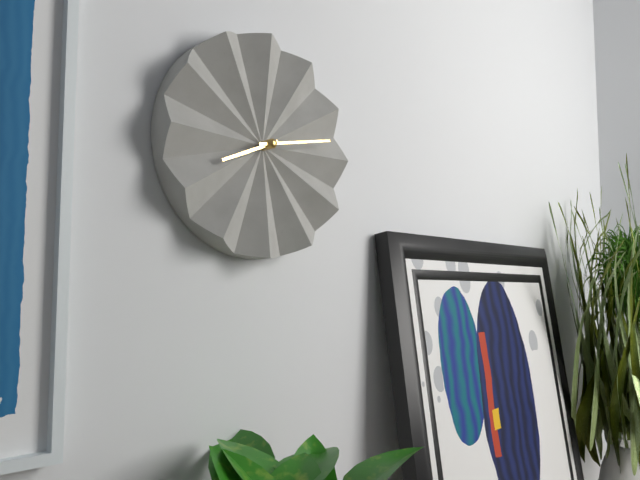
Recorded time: 8:13
